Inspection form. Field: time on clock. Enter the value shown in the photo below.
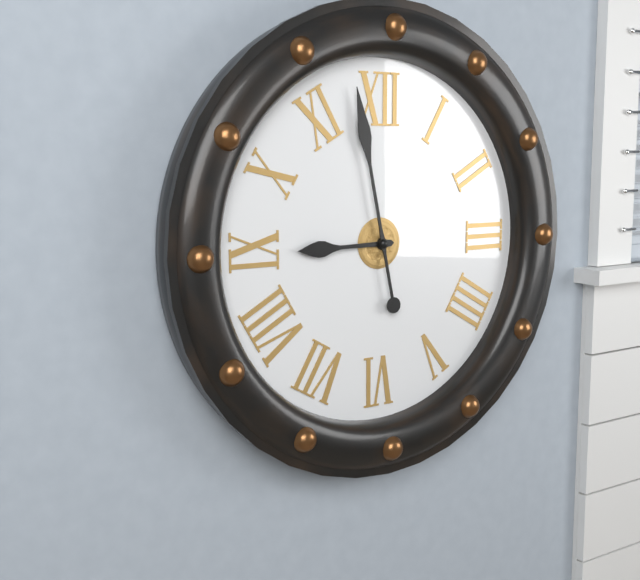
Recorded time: 8:58
